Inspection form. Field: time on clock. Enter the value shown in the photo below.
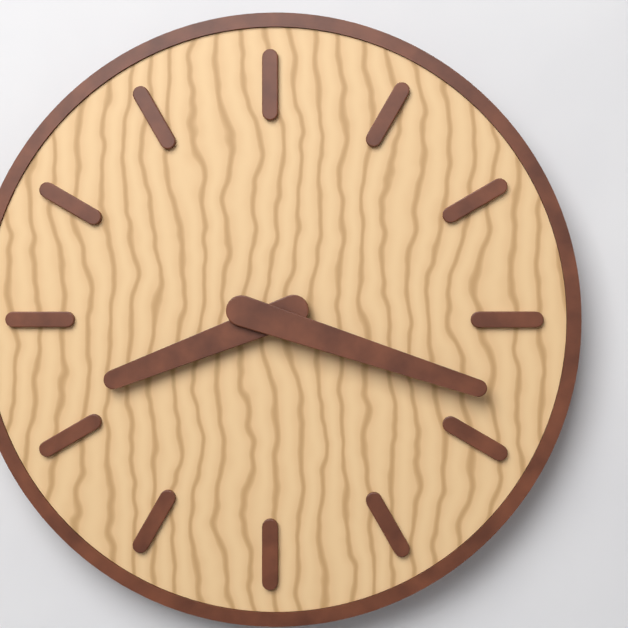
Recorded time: 8:18
